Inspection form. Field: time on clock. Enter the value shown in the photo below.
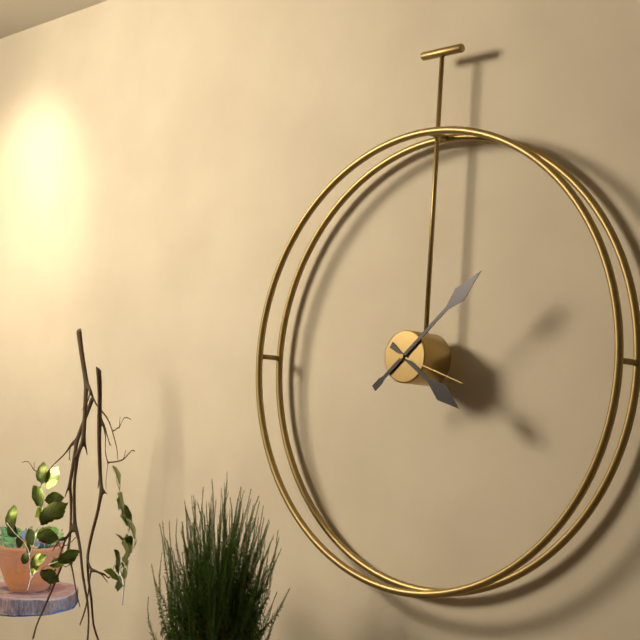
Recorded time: 4:08:18
